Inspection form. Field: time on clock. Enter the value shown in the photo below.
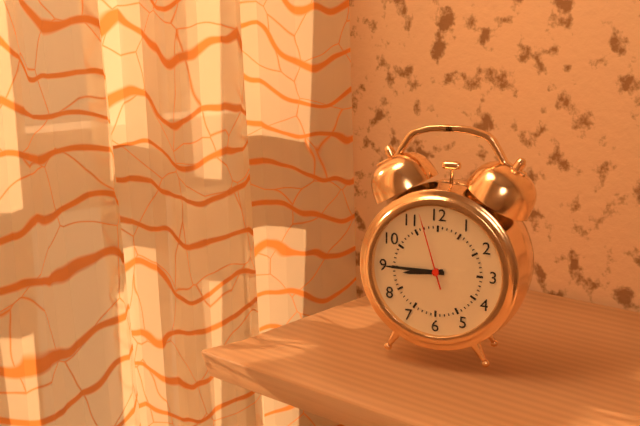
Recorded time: 8:45:57
